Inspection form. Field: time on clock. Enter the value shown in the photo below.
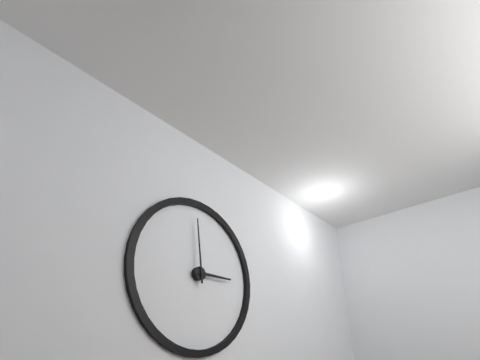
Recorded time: 2:59
